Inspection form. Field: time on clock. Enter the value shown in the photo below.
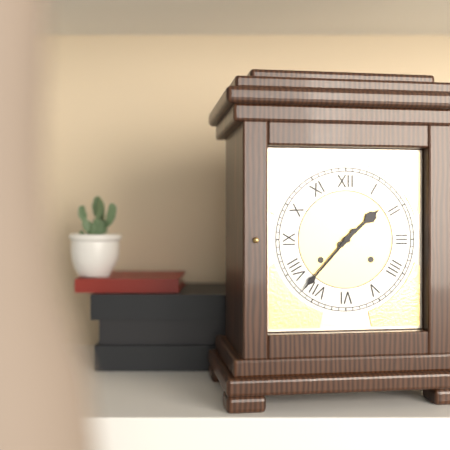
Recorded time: 1:37
